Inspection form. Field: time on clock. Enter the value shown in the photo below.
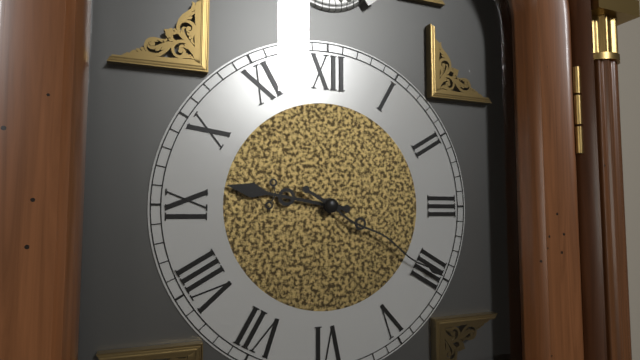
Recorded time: 9:20
